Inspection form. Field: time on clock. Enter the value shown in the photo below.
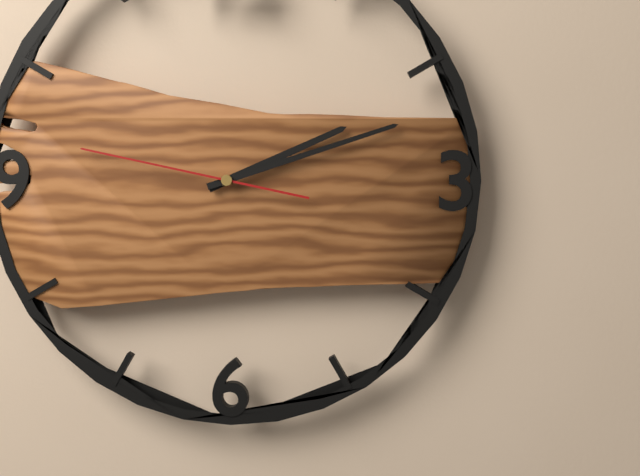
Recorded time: 2:12:47
